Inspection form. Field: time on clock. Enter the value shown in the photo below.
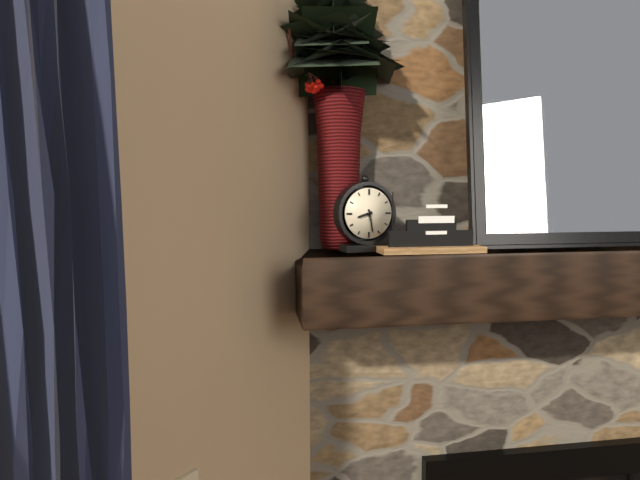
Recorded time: 8:28
